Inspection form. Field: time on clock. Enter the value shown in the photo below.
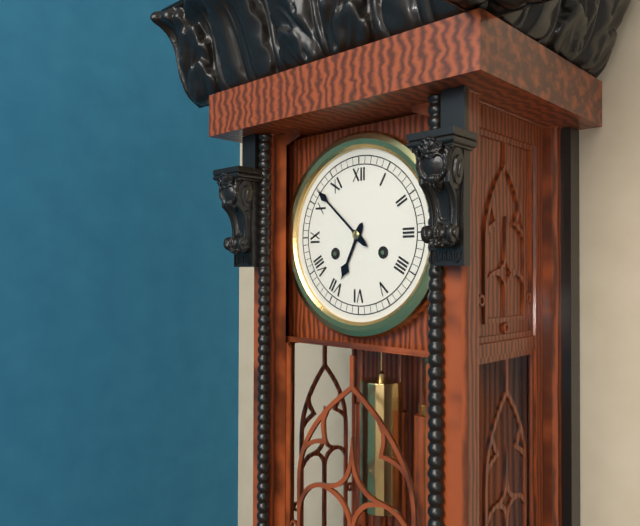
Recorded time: 6:52
